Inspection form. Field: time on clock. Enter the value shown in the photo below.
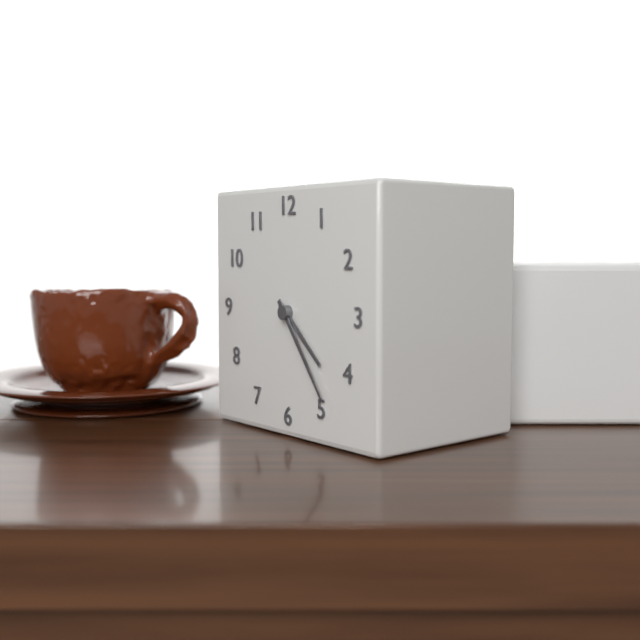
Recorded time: 4:24
